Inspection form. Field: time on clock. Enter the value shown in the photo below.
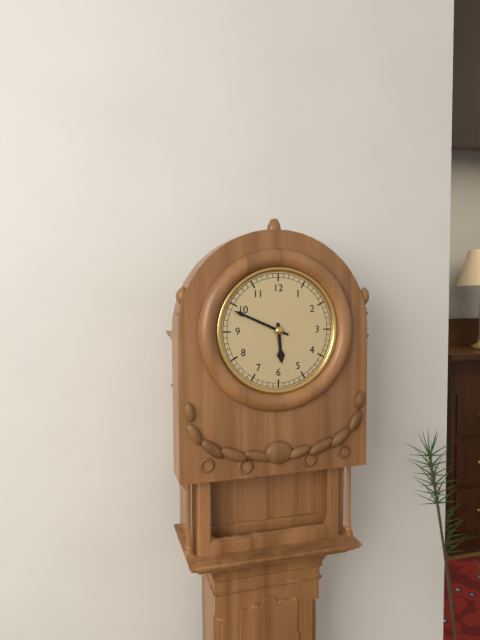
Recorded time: 5:49
